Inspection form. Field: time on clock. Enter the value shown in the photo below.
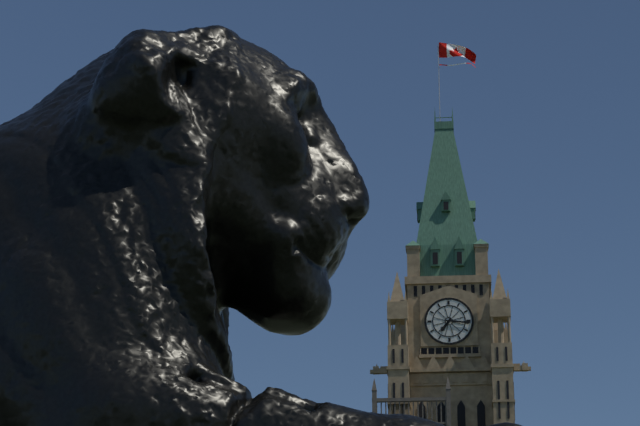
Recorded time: 7:16
